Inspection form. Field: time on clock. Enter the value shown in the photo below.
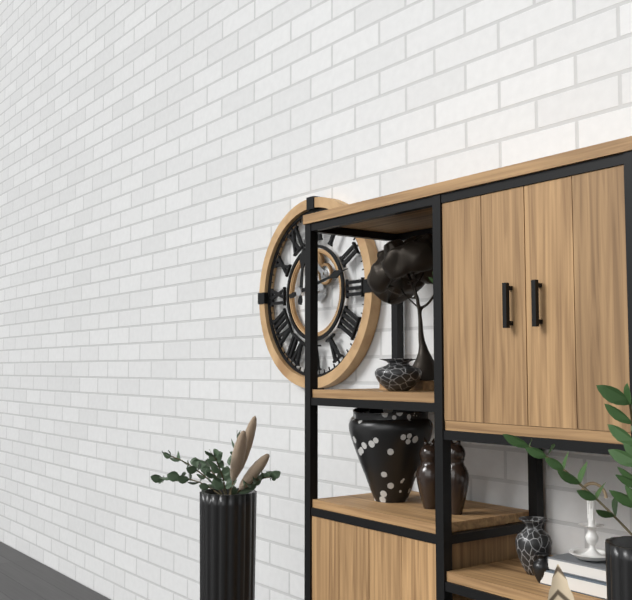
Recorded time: 12:13
